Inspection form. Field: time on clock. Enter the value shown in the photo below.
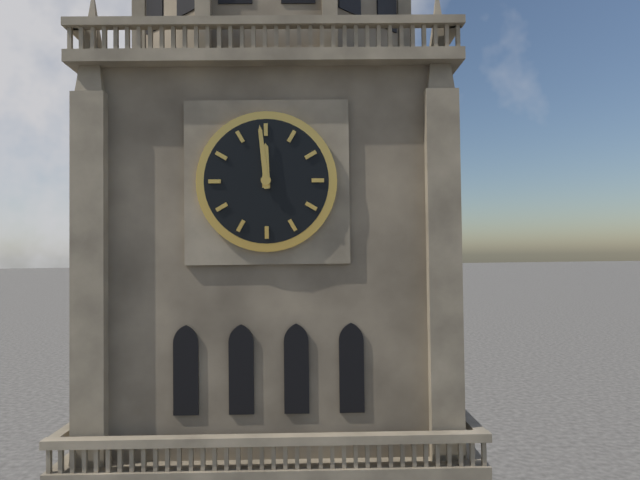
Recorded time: 11:59
